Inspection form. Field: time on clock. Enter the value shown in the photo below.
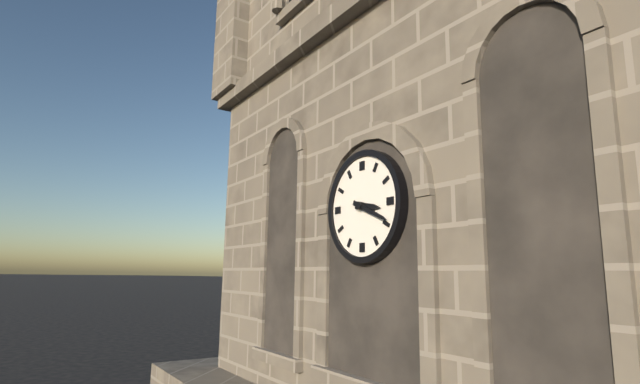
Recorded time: 3:19
